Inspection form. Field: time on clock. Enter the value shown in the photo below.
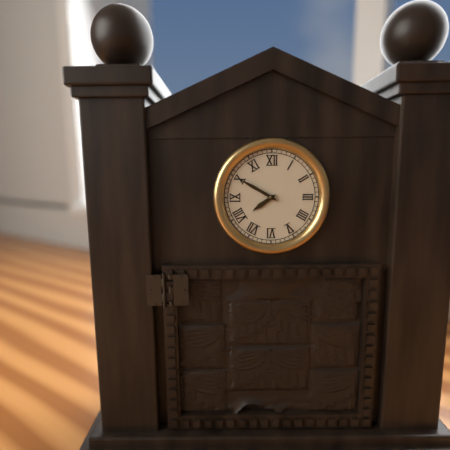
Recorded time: 7:50
